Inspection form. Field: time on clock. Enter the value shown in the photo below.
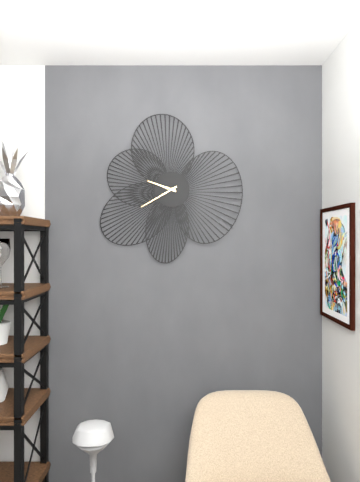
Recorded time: 9:40
